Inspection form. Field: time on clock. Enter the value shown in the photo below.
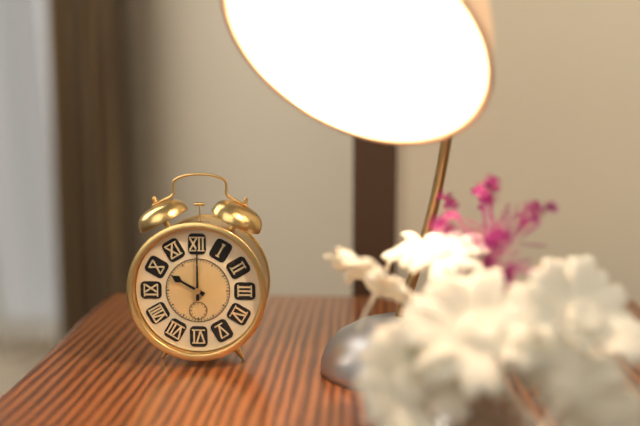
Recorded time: 10:00
